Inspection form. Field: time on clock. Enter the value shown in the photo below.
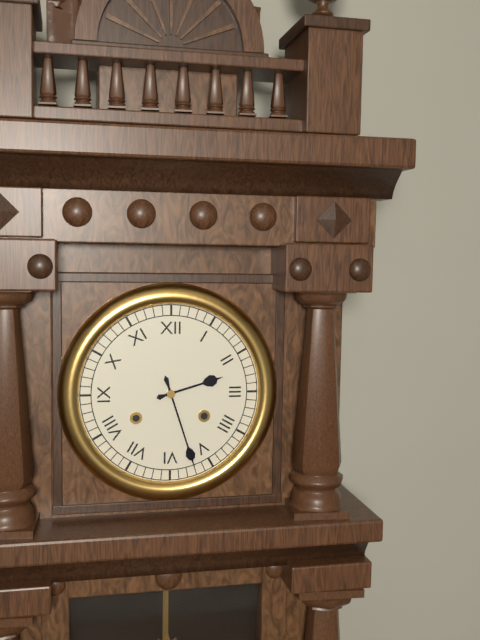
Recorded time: 2:27
